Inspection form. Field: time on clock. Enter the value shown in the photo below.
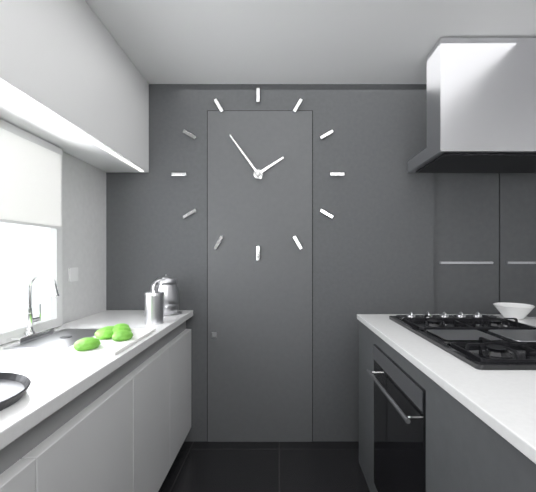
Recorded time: 1:54
